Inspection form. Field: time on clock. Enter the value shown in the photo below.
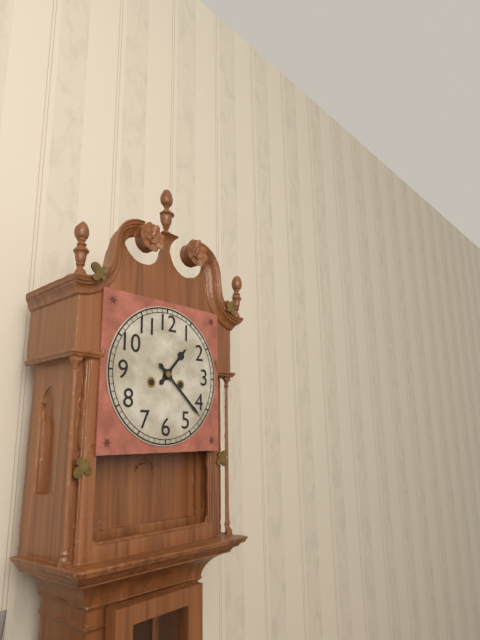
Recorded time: 1:22
